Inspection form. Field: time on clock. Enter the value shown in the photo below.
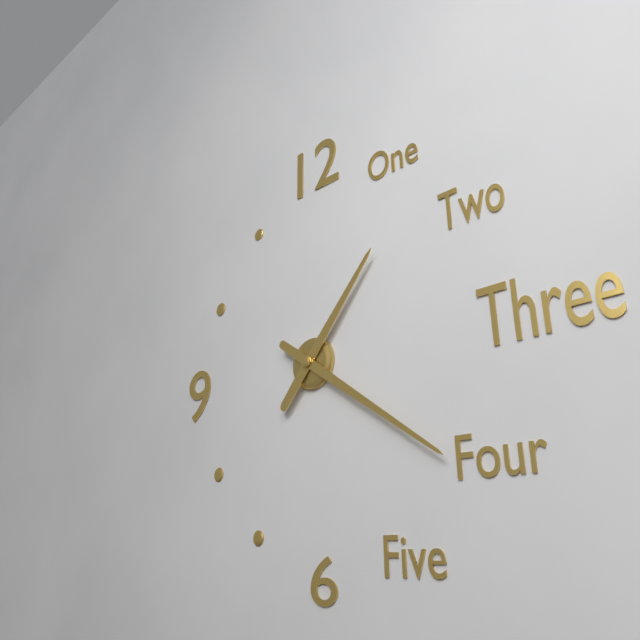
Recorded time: 1:21
